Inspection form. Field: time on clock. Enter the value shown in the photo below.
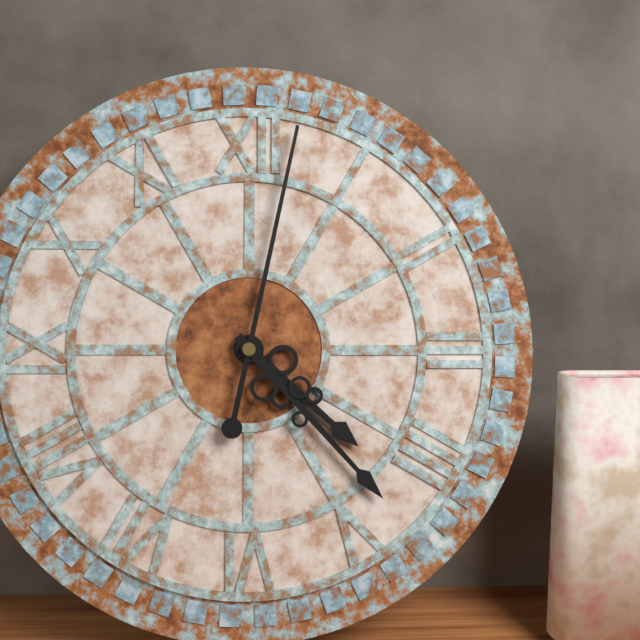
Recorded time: 4:23:02
